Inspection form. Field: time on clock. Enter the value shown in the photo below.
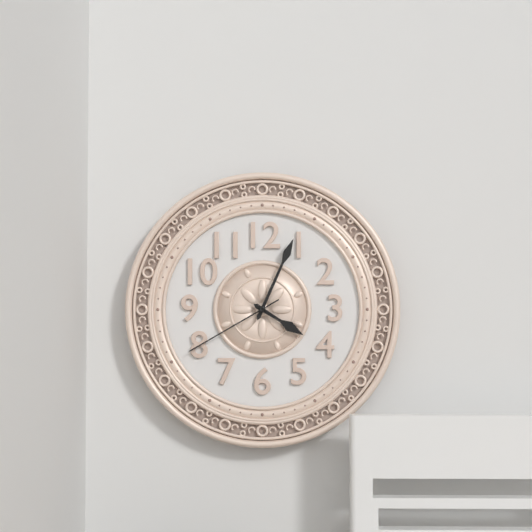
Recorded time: 4:04:40
